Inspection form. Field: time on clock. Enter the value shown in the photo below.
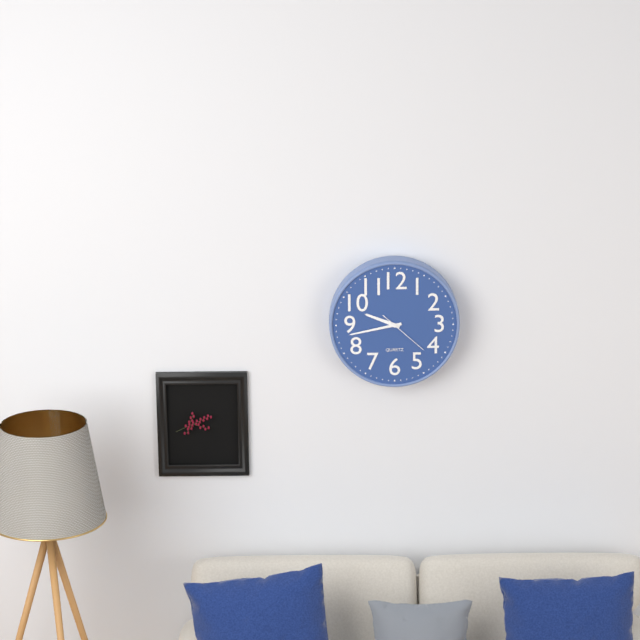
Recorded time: 9:43
